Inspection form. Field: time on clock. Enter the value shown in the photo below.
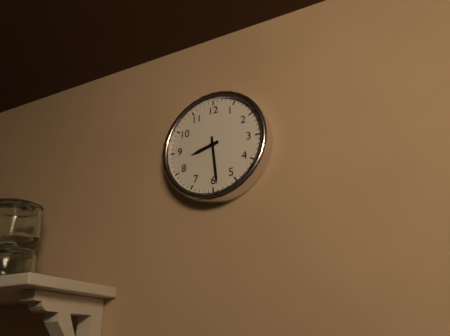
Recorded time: 8:29
